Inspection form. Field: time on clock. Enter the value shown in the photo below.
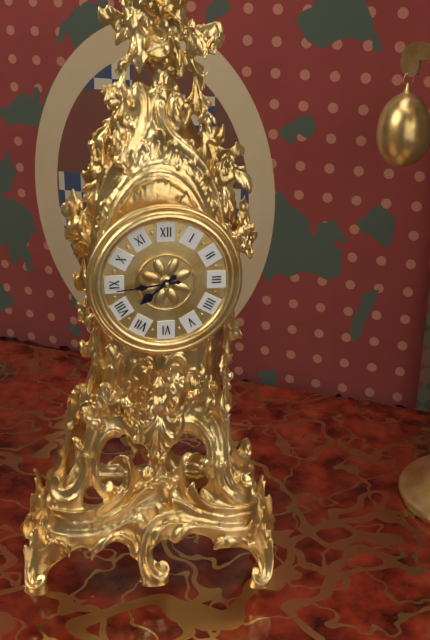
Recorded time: 7:44
